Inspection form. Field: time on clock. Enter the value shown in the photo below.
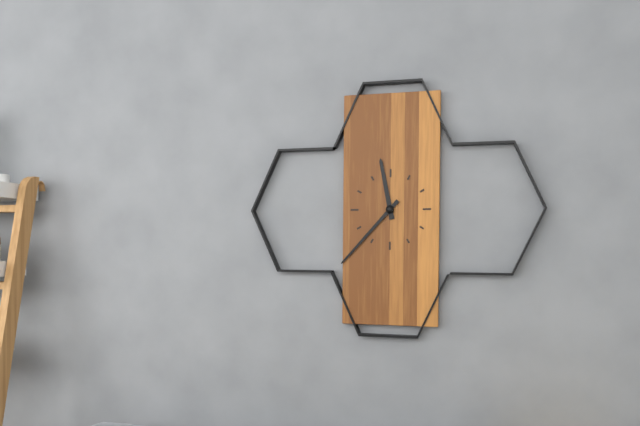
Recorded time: 11:37
